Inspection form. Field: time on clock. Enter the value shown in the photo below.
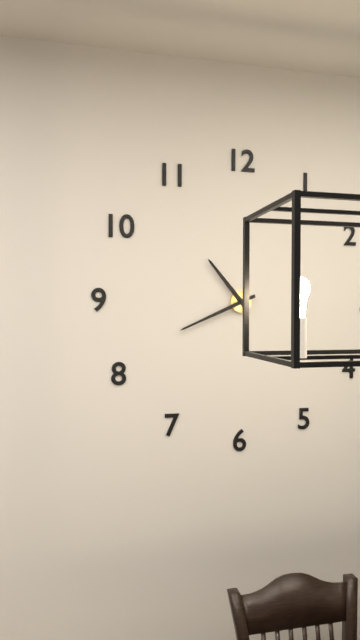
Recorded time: 10:41
